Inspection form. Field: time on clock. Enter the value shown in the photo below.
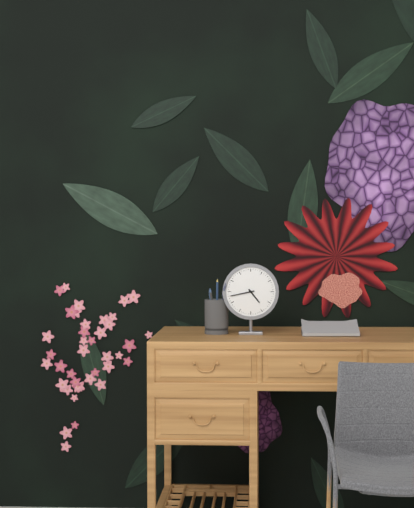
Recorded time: 4:43
